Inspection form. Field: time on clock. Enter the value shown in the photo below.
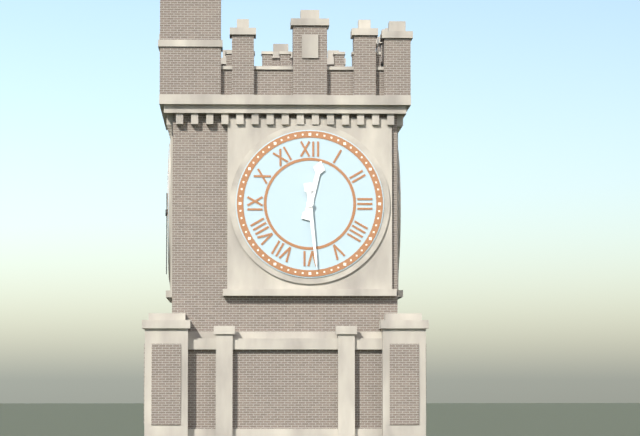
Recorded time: 12:29
